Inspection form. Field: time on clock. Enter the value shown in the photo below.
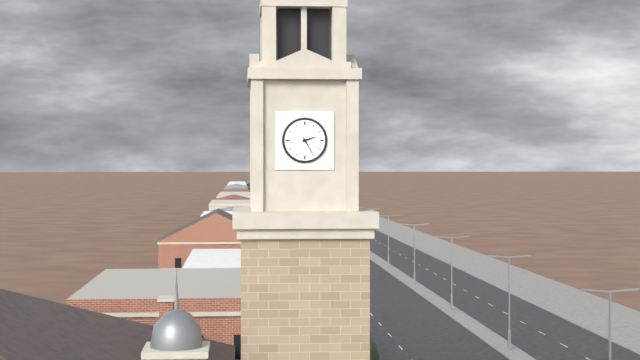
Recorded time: 2:25
